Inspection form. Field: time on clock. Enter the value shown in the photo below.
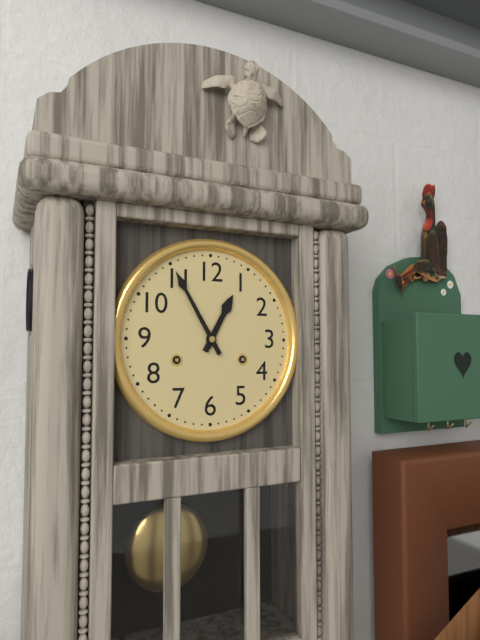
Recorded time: 12:55
